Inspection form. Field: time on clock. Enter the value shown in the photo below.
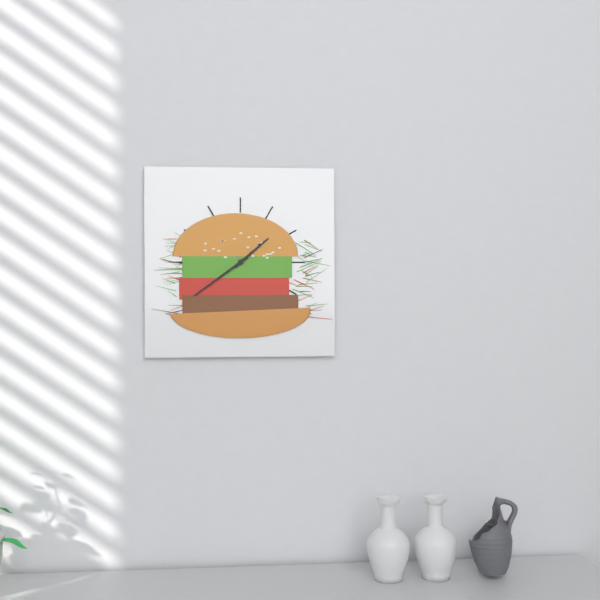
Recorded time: 1:39
